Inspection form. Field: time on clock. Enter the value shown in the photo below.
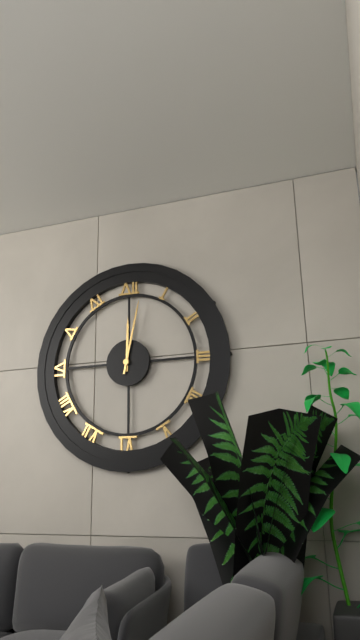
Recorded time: 12:02
